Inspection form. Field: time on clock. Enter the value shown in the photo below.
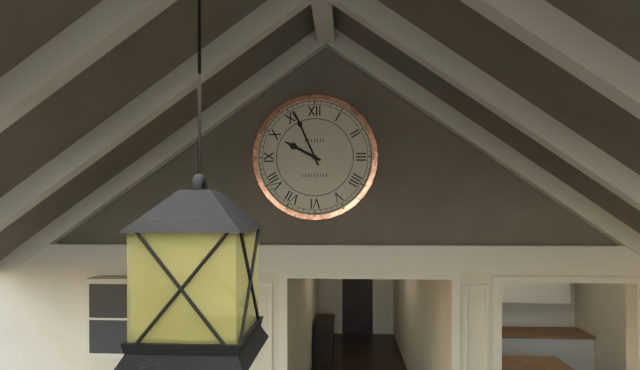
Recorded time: 9:56
